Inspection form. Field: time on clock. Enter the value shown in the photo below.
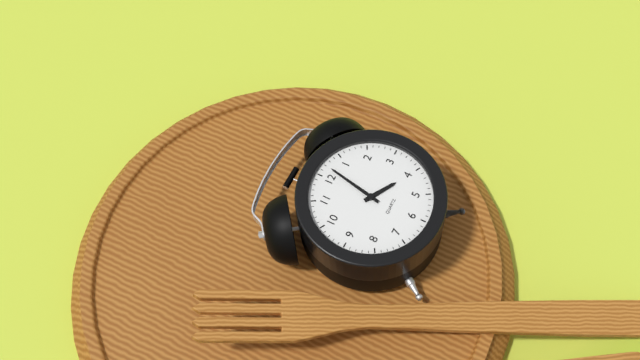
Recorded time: 4:02
